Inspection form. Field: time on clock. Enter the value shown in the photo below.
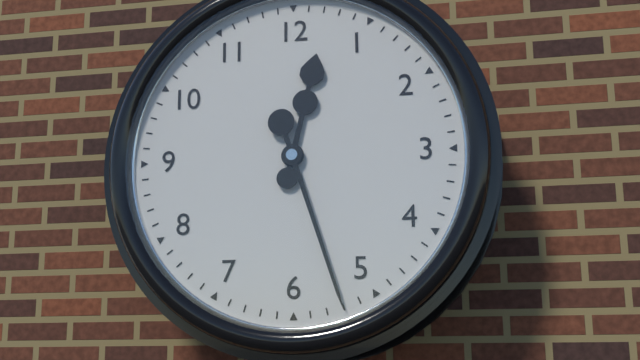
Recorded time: 12:27
